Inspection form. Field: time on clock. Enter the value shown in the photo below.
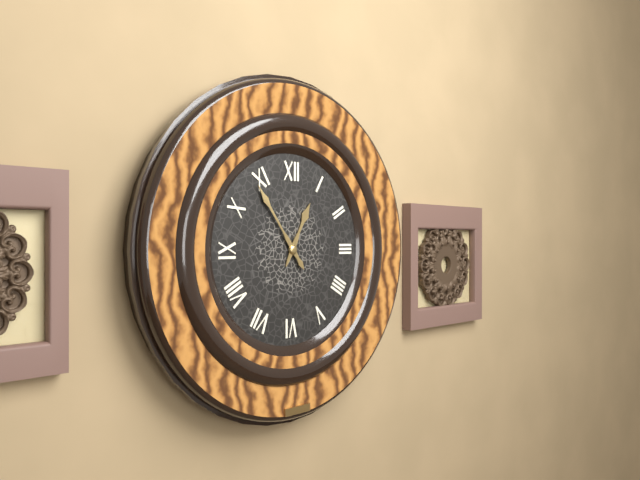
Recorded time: 12:54
